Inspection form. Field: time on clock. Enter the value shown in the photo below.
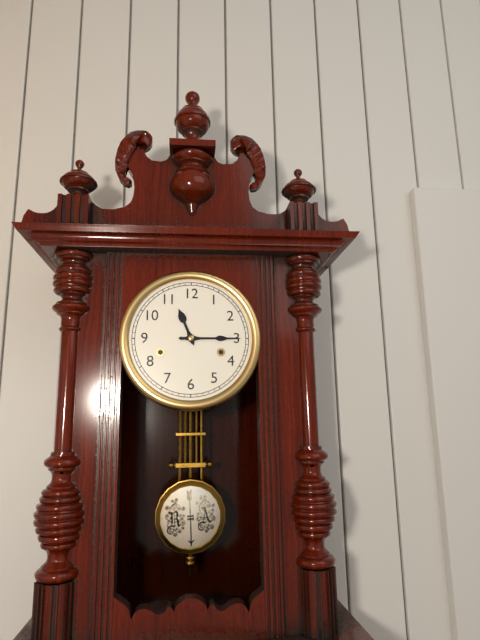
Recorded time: 11:15
